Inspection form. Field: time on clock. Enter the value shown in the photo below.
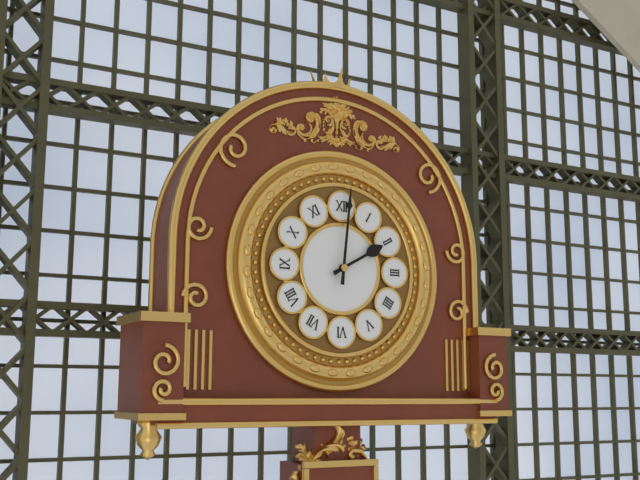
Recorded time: 2:01
